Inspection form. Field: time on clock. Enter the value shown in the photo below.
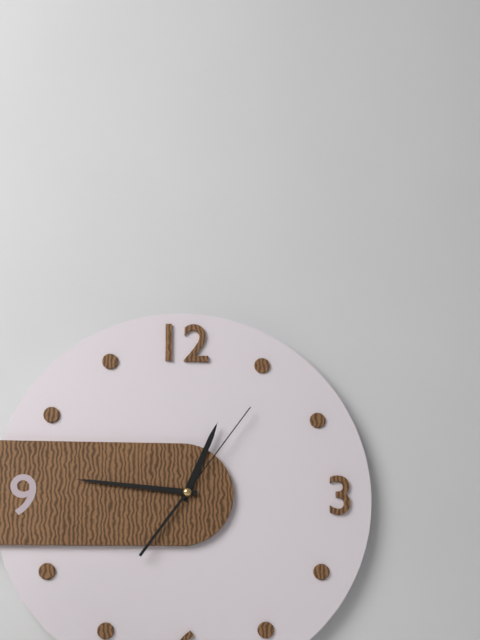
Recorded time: 12:46:06
